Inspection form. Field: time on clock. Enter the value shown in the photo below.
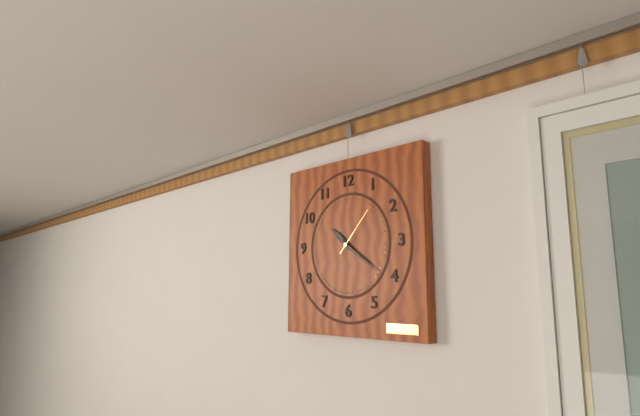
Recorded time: 10:21:07
